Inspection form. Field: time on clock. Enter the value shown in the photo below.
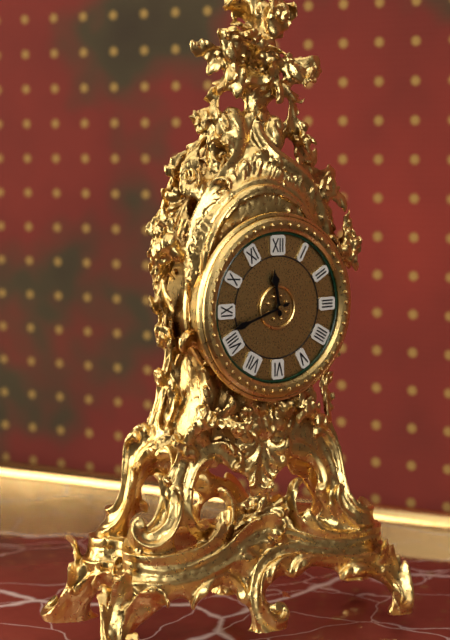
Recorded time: 11:42
